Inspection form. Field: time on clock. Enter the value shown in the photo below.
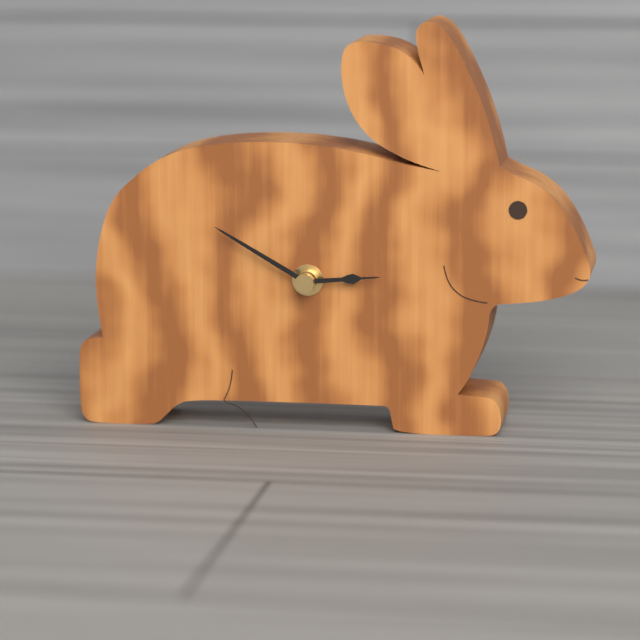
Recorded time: 2:50
